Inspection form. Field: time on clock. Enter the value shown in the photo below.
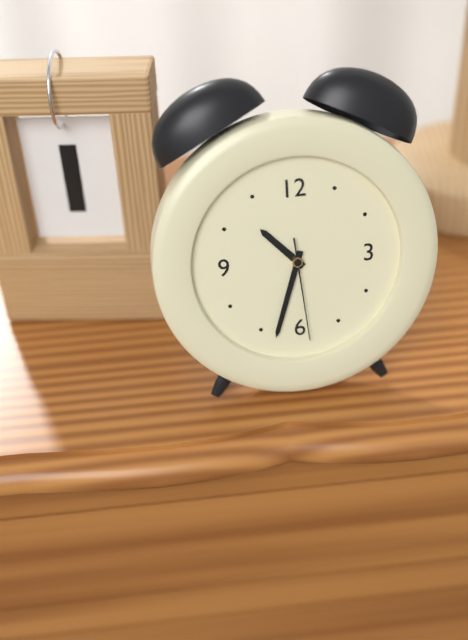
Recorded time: 10:33:29
